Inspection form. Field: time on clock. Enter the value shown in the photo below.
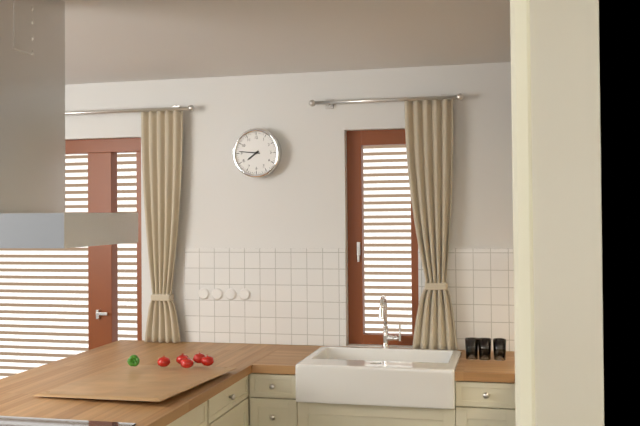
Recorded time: 7:46
